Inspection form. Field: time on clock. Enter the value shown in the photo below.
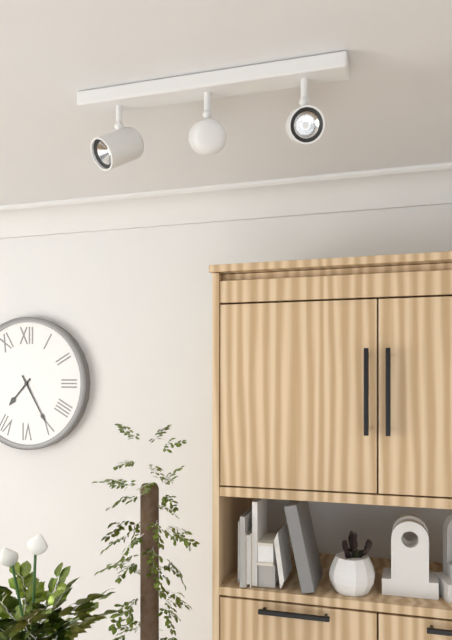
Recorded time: 7:25
